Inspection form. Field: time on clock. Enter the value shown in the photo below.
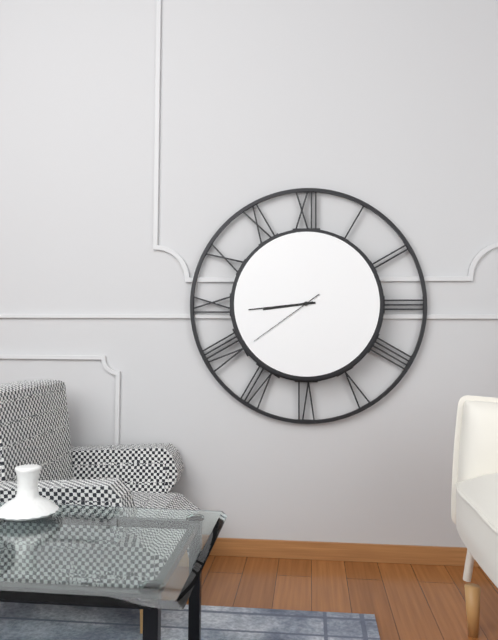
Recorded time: 8:44:39
